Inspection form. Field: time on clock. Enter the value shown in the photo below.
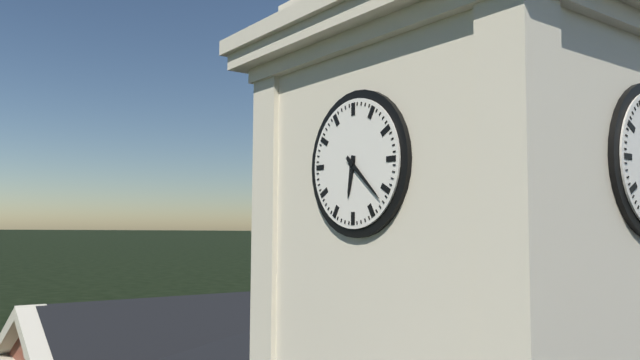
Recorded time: 6:22
